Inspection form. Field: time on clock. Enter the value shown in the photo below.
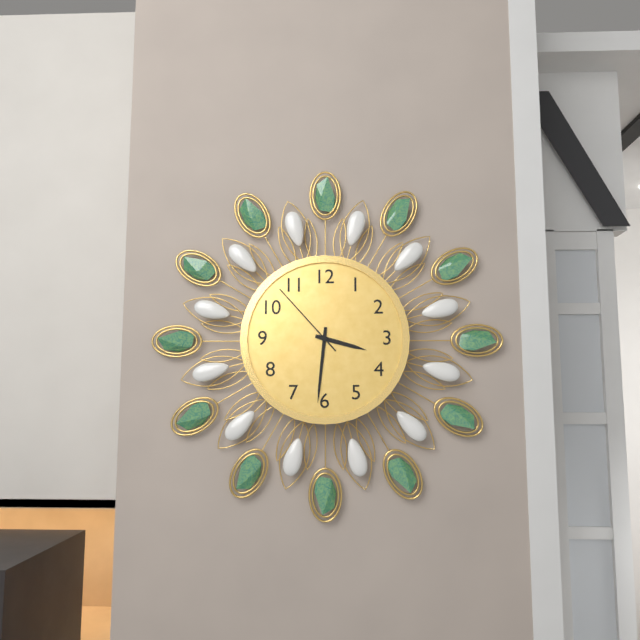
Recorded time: 3:31:53
